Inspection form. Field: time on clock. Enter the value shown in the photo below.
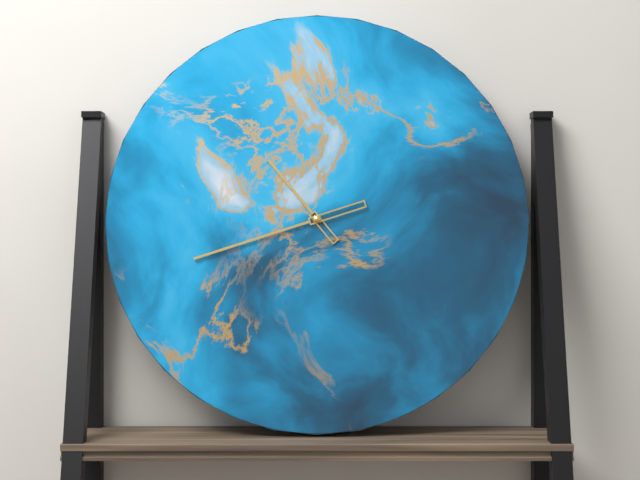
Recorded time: 10:42
